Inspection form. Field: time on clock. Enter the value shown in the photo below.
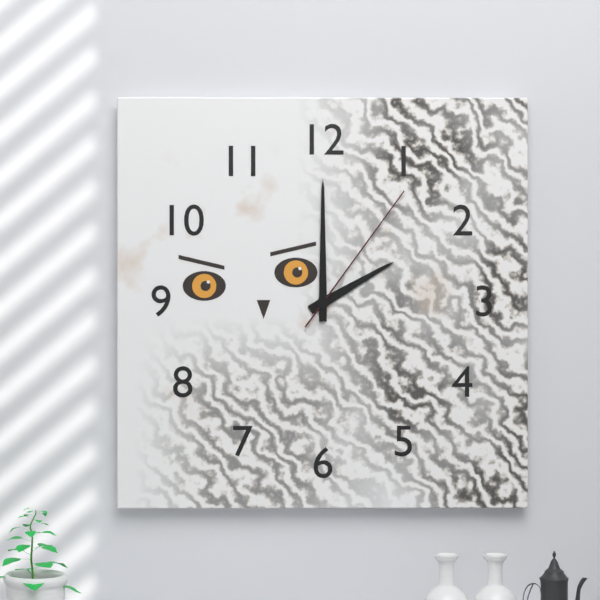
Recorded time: 2:00:06
